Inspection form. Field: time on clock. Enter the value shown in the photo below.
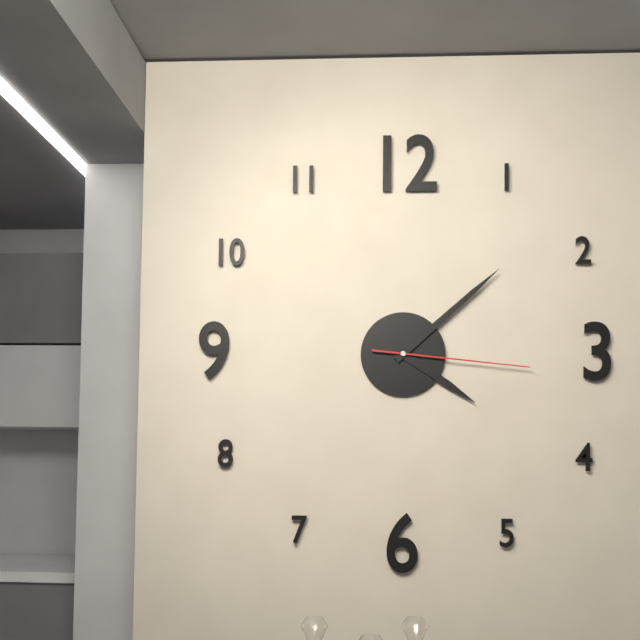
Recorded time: 4:08:16
